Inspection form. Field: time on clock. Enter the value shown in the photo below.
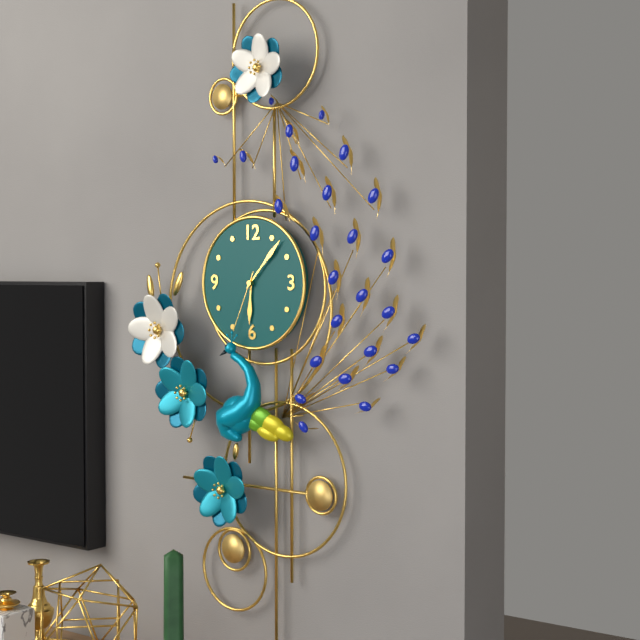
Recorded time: 6:07:34
